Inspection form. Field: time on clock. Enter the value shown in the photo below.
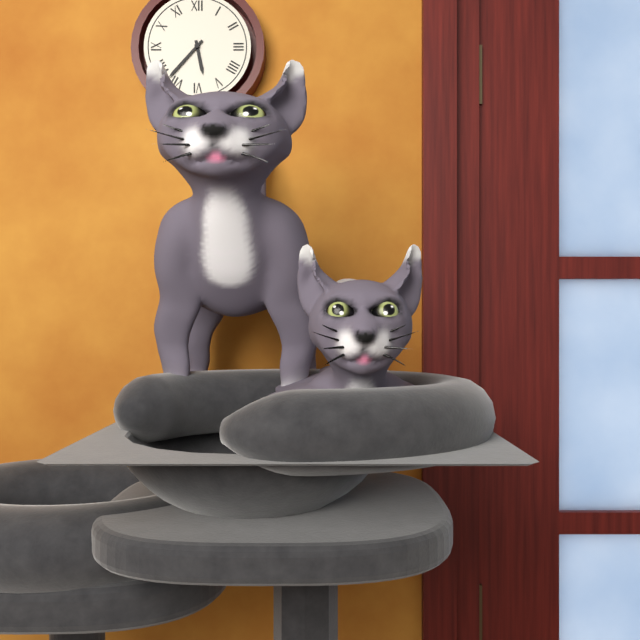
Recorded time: 5:37
